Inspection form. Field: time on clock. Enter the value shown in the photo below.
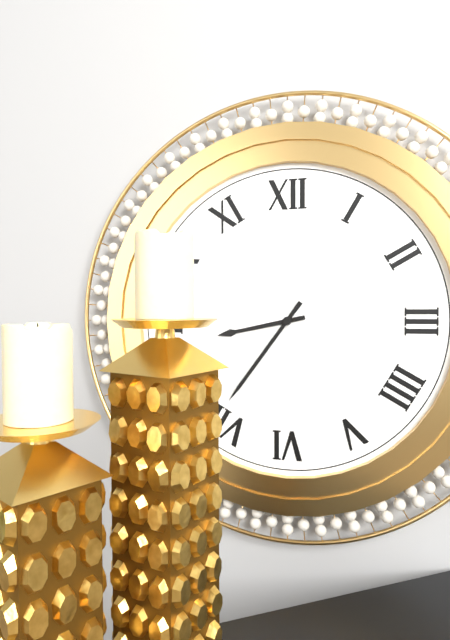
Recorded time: 8:36
